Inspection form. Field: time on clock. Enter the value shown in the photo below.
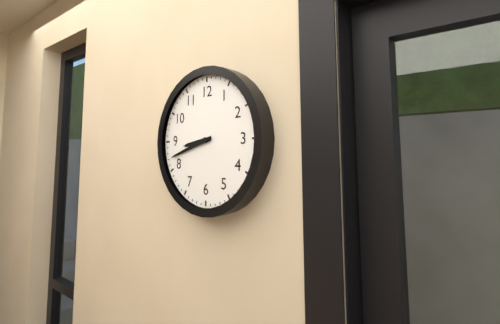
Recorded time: 8:42
